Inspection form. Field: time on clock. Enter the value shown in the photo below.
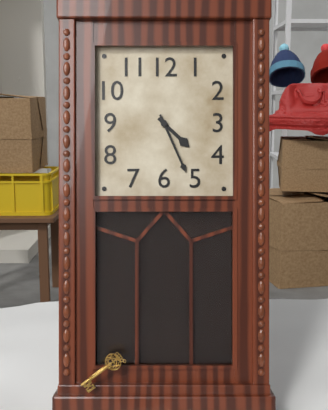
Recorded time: 4:26
